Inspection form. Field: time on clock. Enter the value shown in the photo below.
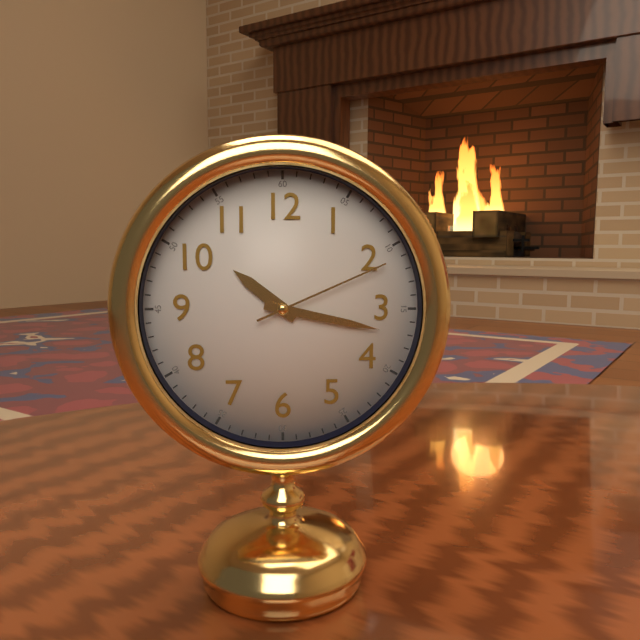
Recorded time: 10:17:11
